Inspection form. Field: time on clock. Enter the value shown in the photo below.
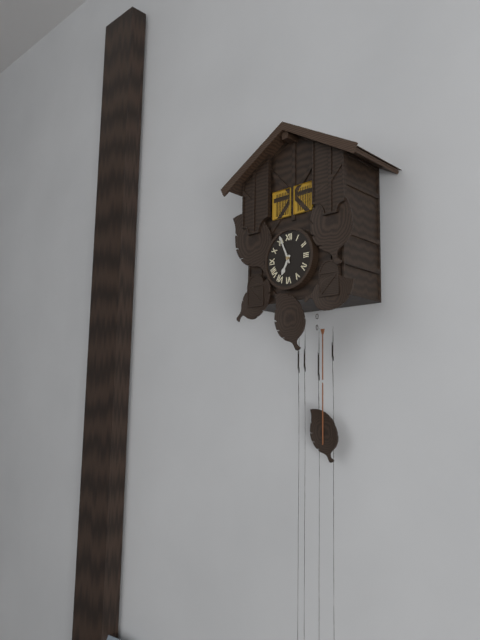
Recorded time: 6:56
